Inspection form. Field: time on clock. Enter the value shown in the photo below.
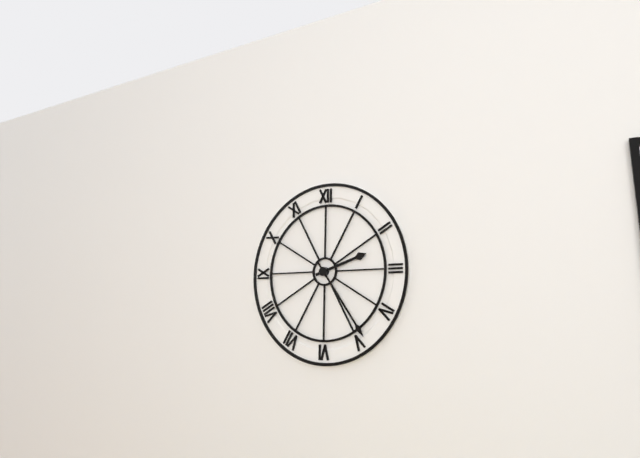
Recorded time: 2:24
